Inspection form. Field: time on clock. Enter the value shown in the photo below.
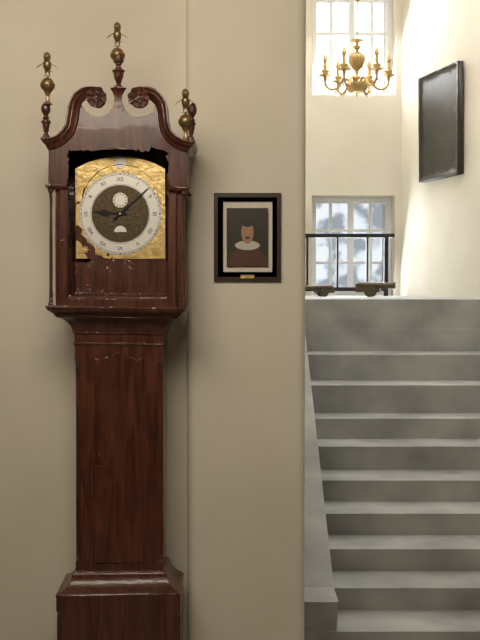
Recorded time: 9:08
